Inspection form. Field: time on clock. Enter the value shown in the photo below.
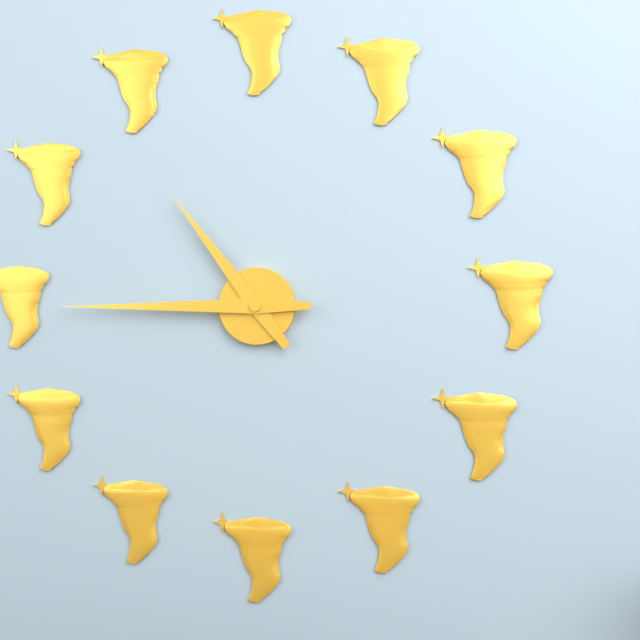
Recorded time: 10:45
